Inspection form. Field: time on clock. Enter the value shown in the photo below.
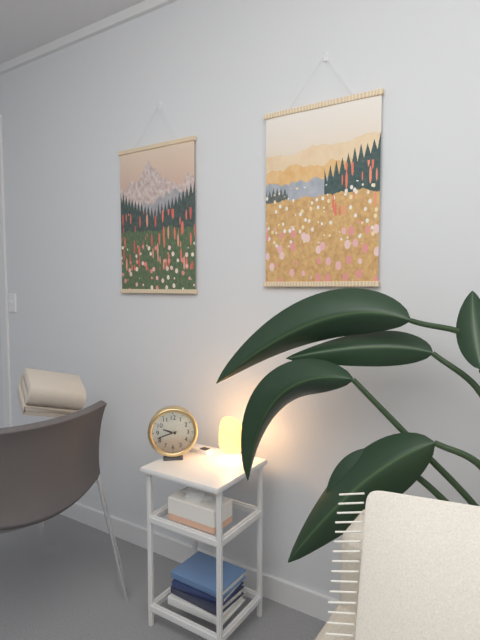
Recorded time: 9:42
